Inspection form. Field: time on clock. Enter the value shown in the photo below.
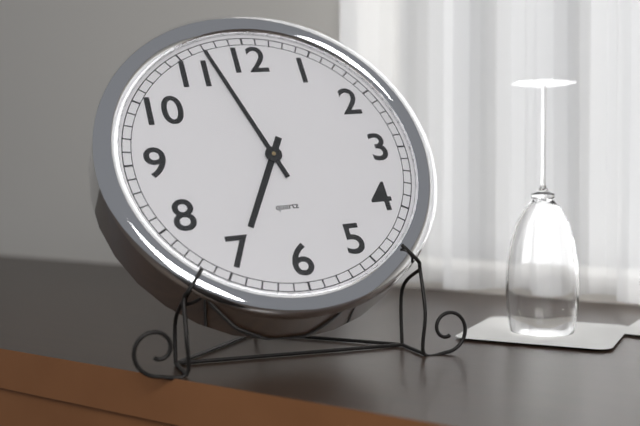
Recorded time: 6:57
